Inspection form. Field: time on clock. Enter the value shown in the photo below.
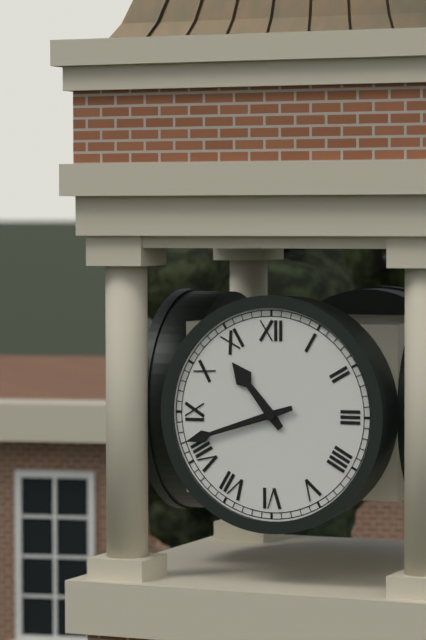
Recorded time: 10:42
